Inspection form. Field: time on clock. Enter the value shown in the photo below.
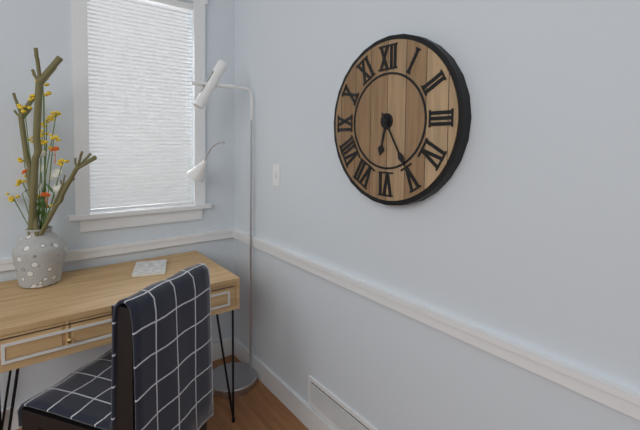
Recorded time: 6:25
